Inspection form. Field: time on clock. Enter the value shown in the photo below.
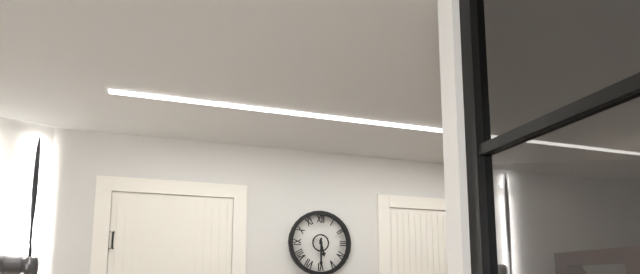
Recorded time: 5:30
